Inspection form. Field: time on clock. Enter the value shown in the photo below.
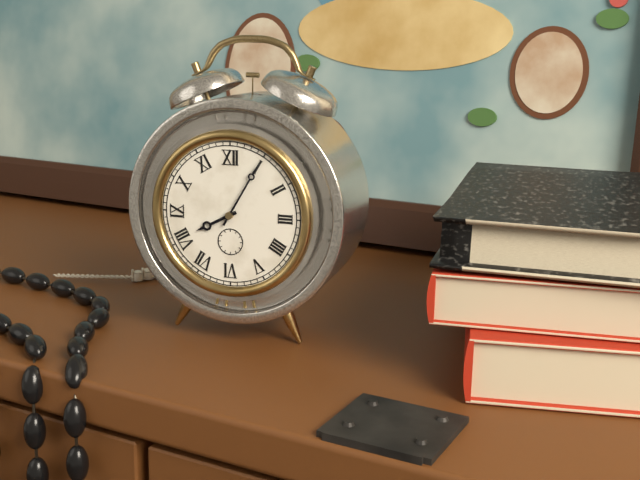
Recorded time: 8:05
